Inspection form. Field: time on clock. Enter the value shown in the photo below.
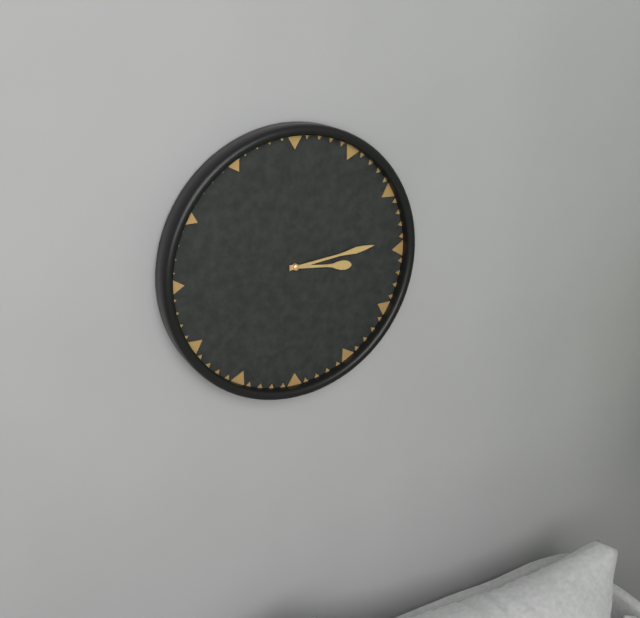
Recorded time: 3:14
